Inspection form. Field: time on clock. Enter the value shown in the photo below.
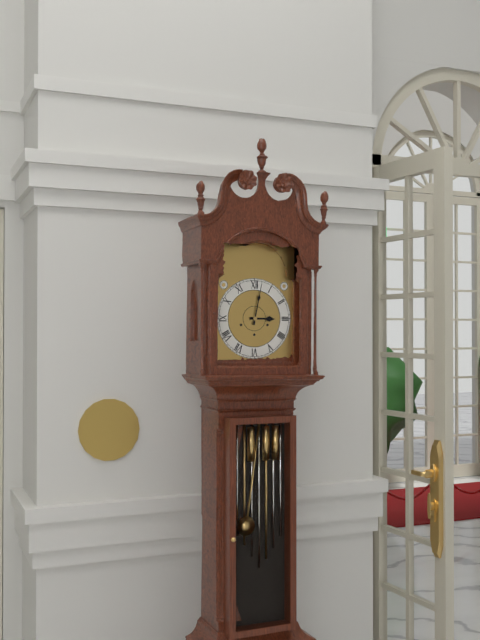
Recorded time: 3:02
